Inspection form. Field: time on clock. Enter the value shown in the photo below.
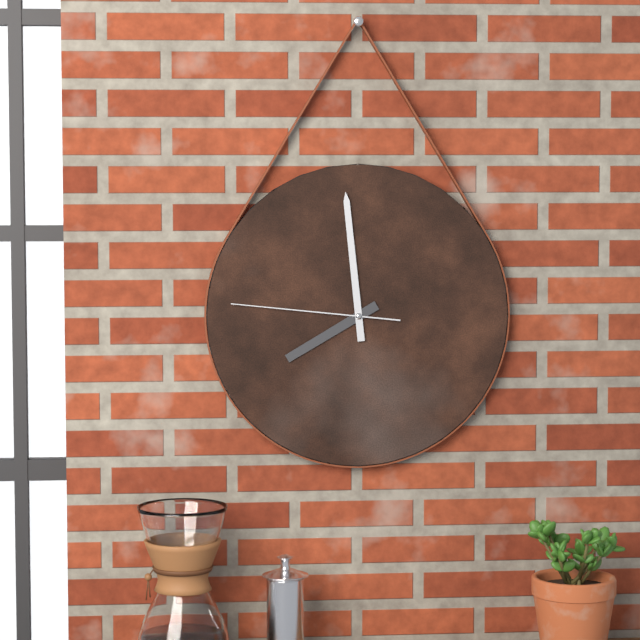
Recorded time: 7:59:46
